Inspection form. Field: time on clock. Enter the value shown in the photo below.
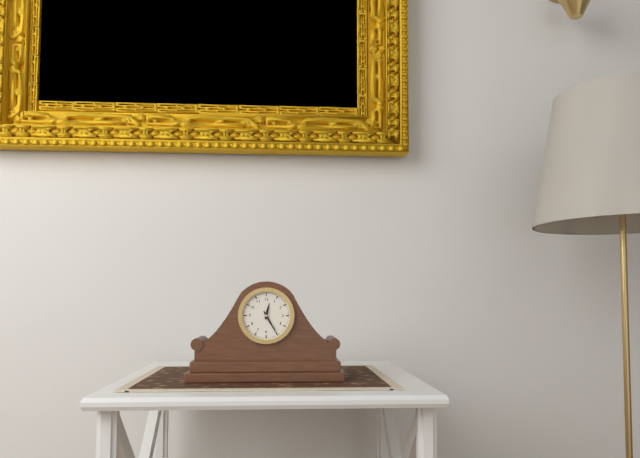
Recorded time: 12:25
